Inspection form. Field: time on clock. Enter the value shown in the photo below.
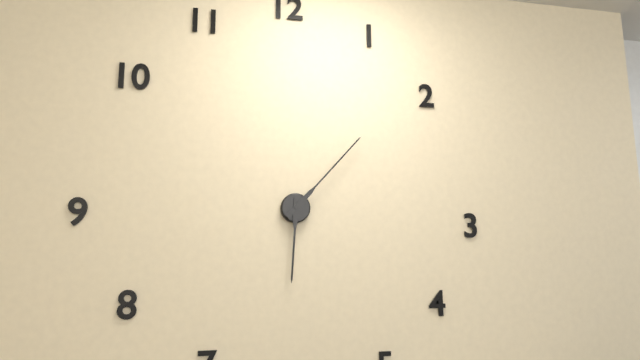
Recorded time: 6:07
